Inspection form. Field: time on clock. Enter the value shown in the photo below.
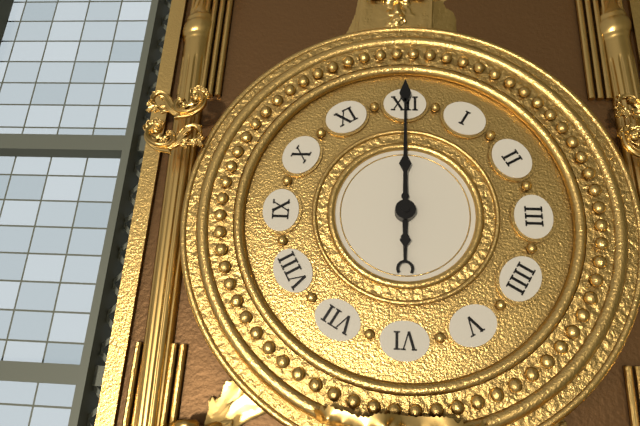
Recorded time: 6:00
